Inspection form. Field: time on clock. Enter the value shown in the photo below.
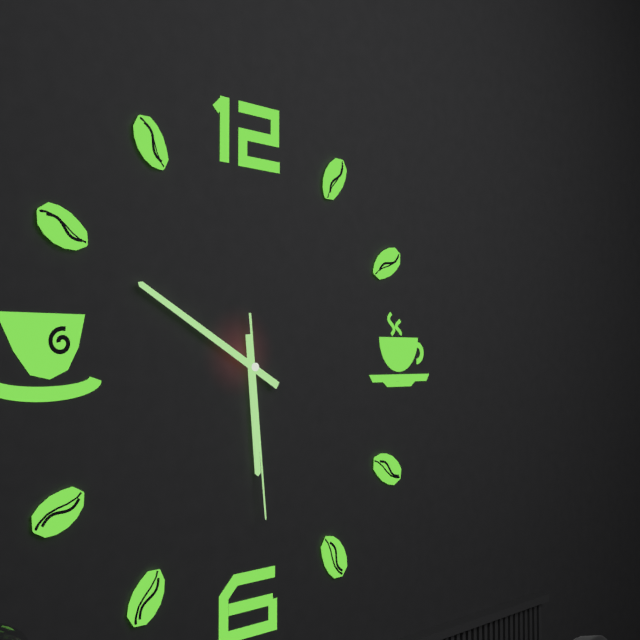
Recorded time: 5:50:29
